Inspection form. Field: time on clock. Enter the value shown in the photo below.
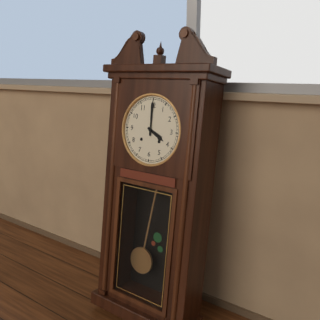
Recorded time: 4:00
